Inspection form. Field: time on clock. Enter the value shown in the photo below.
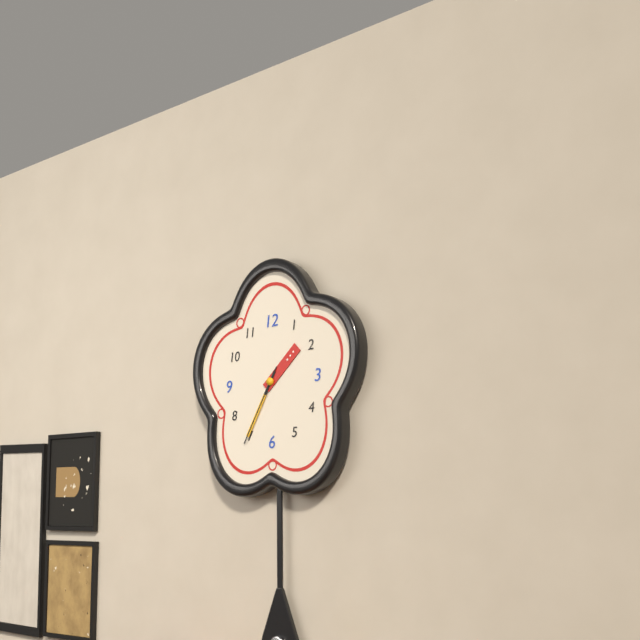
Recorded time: 1:35:35
